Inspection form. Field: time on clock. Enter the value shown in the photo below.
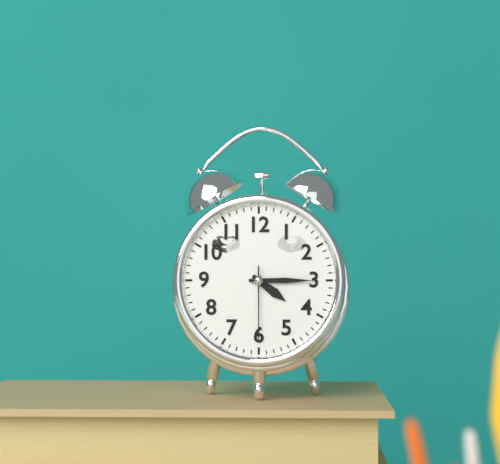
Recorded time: 4:15:30
